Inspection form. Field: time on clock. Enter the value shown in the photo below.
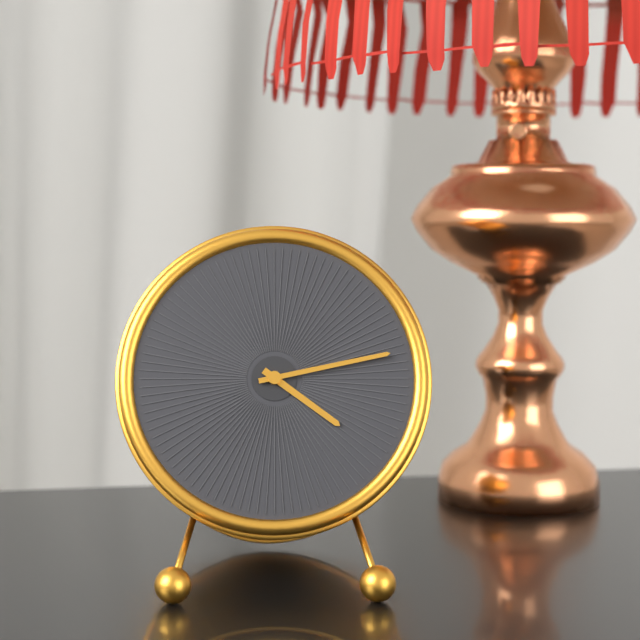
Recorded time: 4:13
